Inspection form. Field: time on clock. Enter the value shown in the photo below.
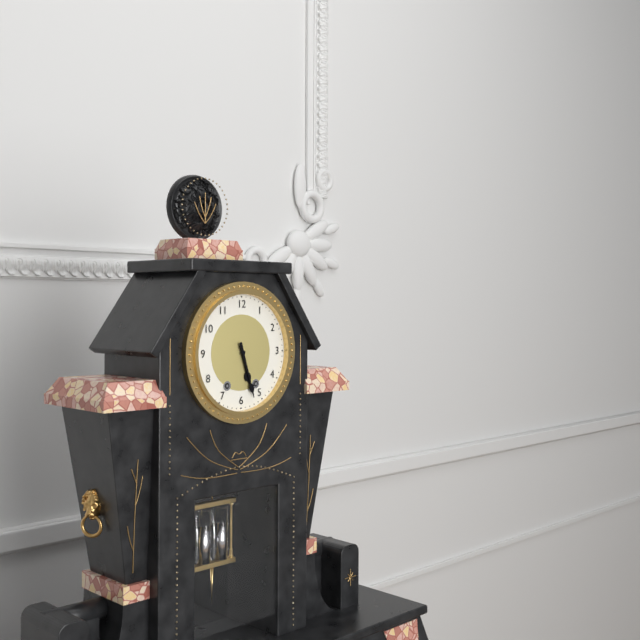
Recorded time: 5:27
